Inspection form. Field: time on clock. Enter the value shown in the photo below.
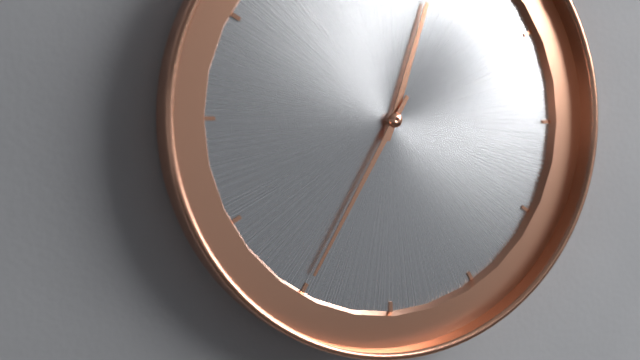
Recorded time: 12:35
